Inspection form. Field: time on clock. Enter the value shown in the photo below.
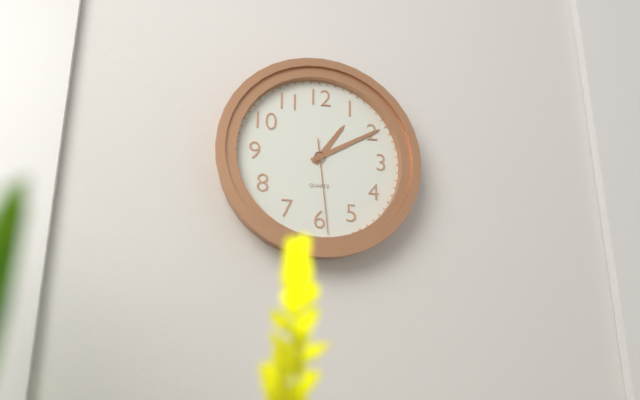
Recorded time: 1:10:29
